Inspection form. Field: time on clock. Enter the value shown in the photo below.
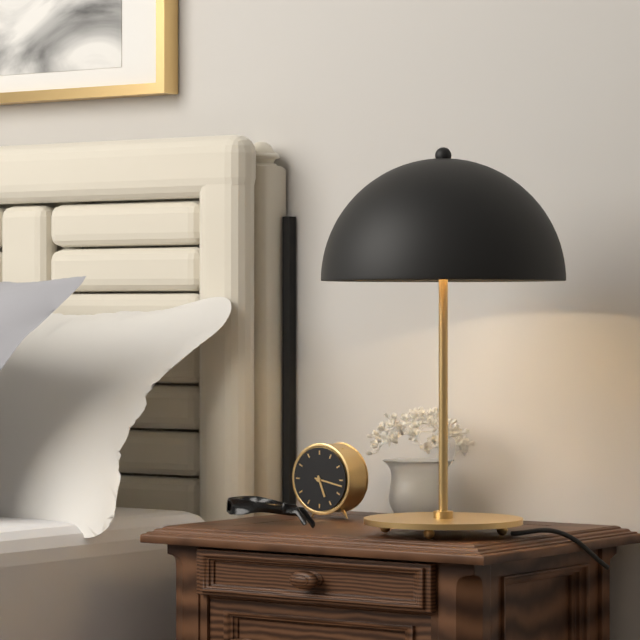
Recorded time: 5:17
